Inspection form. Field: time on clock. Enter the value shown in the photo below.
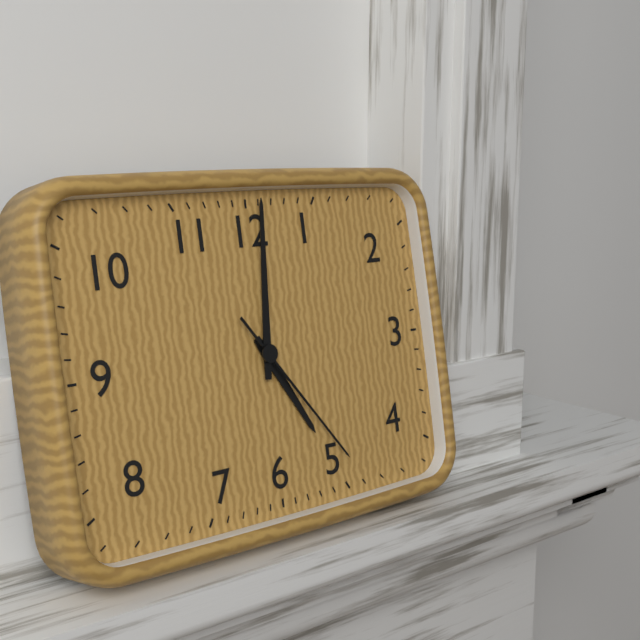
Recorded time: 5:01:24
